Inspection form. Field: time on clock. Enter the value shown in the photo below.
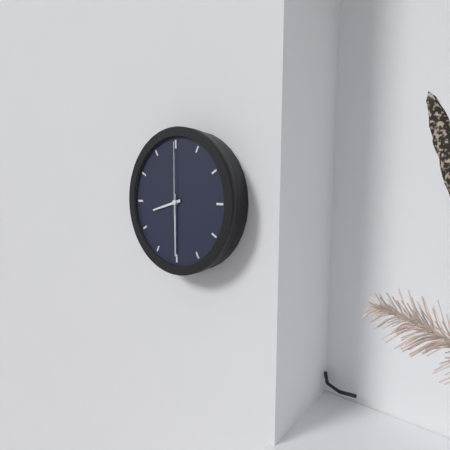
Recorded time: 8:30:00
